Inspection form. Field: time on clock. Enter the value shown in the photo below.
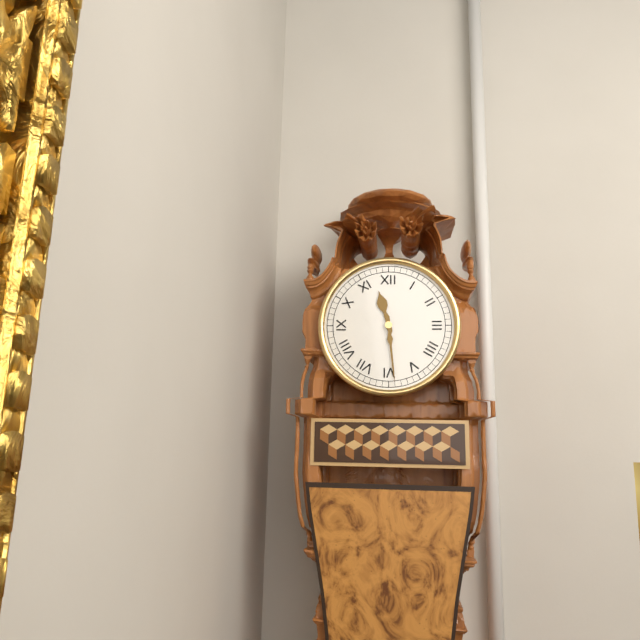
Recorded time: 11:29
